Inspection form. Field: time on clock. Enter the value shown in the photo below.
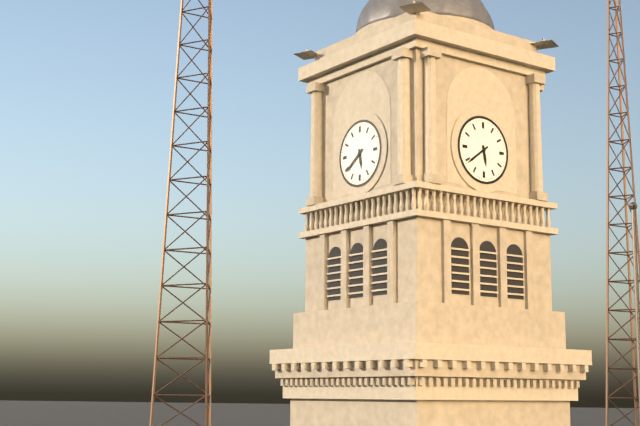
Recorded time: 5:39
